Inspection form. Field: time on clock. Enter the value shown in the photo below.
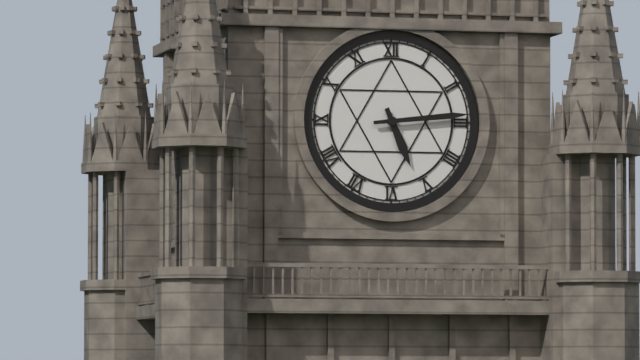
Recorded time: 5:14
